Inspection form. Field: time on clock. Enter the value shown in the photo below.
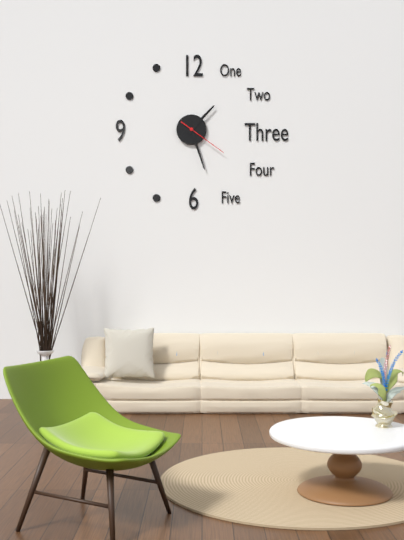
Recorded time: 1:27
